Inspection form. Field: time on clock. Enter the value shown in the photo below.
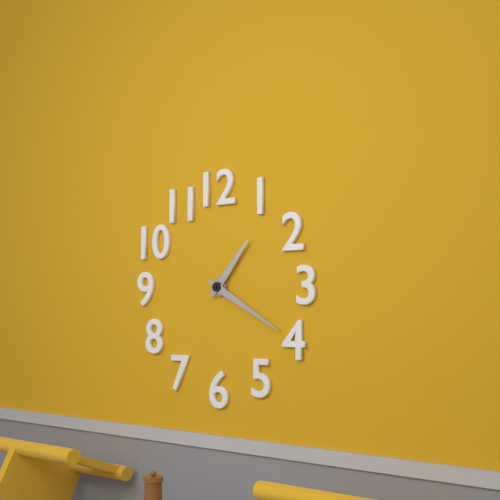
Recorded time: 1:20
